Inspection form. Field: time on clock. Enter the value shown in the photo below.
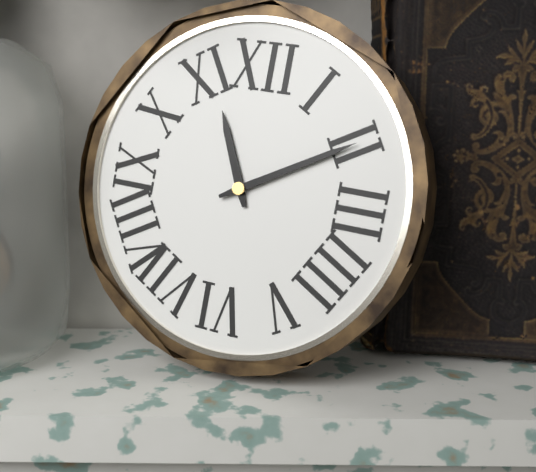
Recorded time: 11:10
